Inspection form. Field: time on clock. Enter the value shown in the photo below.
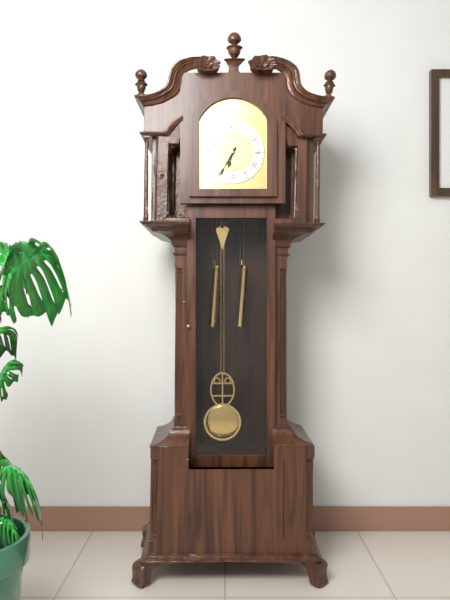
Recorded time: 6:35
